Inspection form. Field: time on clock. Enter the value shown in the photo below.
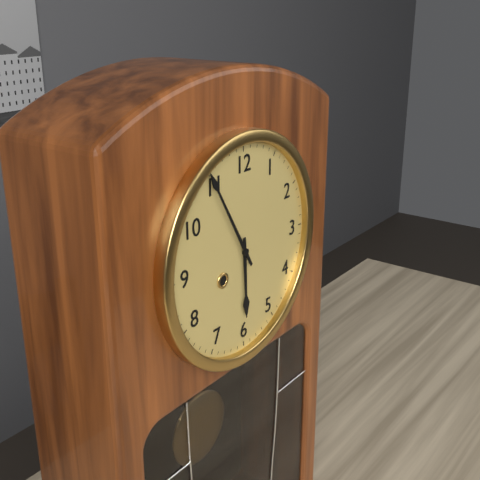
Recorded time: 5:55
